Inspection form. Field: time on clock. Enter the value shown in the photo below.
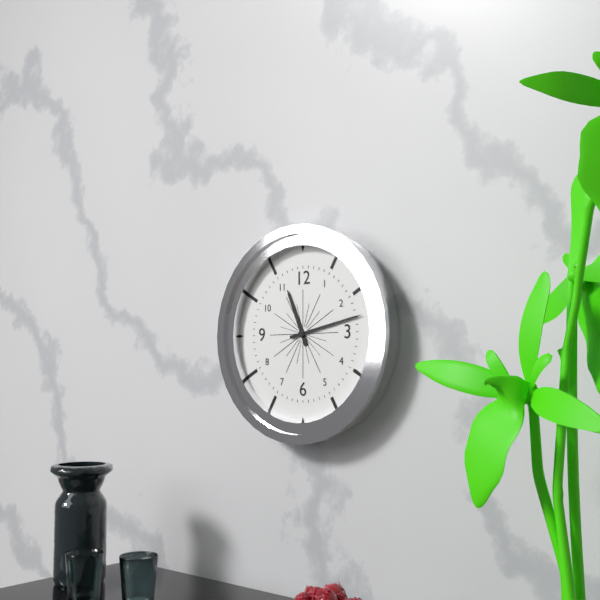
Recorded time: 11:13
